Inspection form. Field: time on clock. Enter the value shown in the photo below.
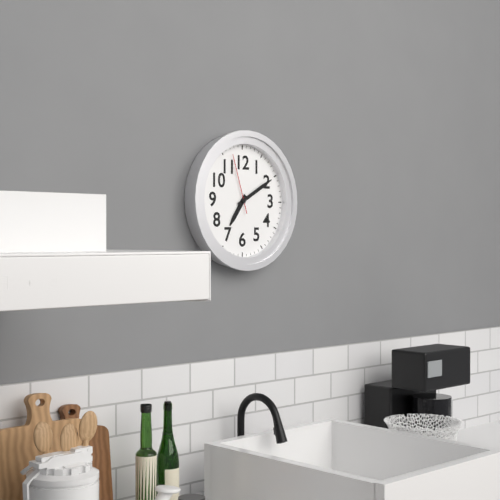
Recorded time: 7:10:57
